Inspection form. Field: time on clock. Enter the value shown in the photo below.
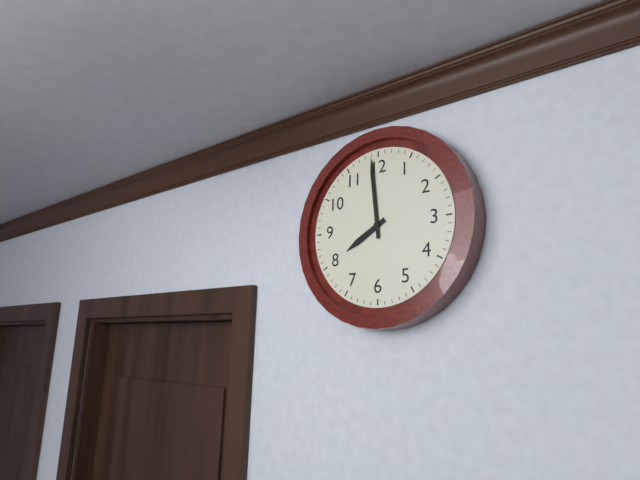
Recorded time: 7:59
